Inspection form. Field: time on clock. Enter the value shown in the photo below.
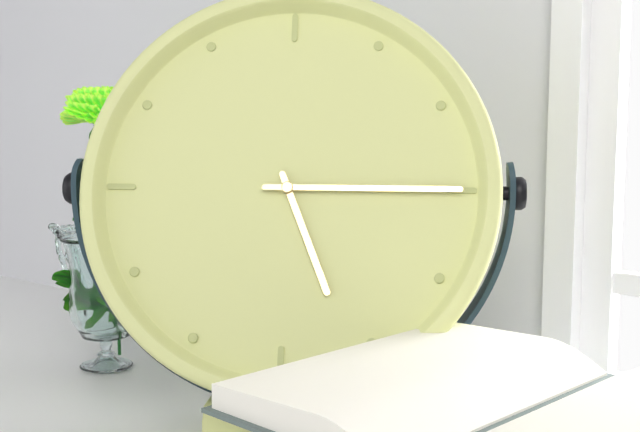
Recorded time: 5:15
